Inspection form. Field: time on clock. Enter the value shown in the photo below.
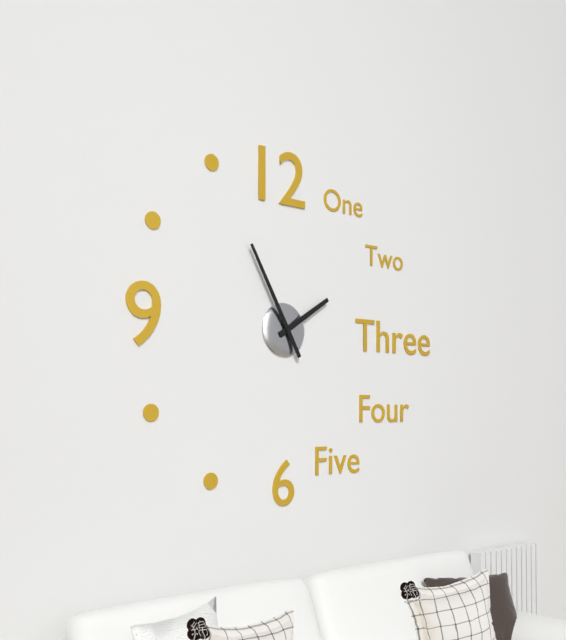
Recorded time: 1:55
